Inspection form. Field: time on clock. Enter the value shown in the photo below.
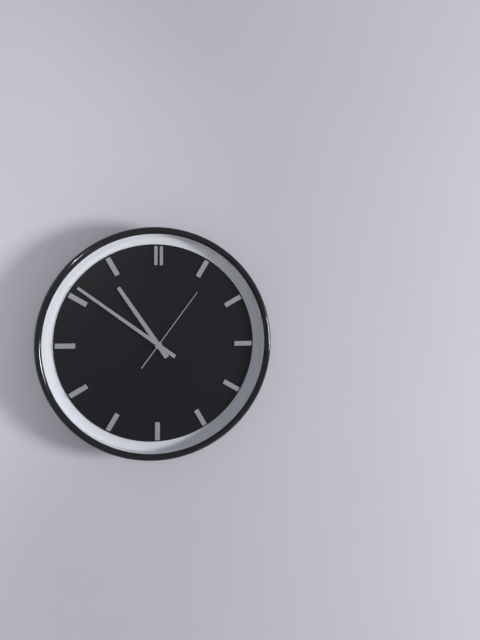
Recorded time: 10:51:06
